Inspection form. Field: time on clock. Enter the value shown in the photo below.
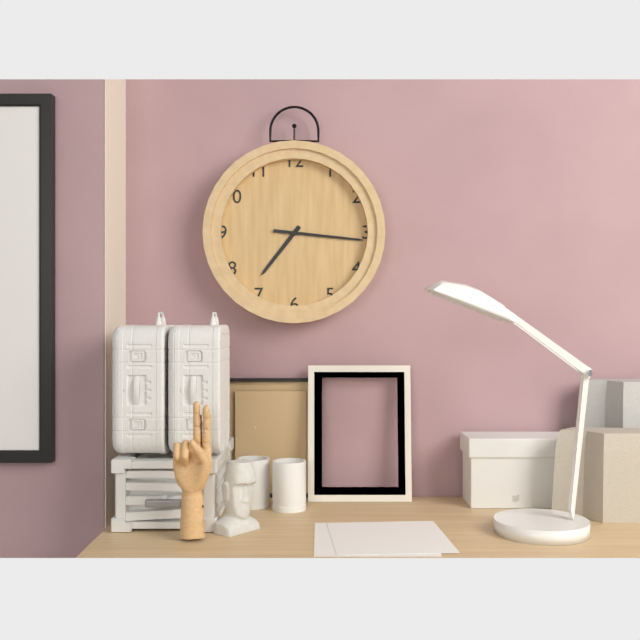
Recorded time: 7:16
